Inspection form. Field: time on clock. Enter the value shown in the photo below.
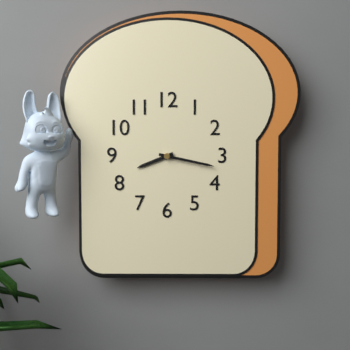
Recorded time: 8:17
